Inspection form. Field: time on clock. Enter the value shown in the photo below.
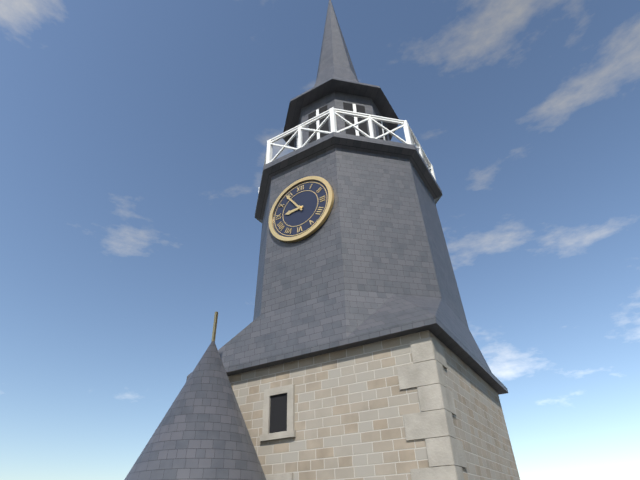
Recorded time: 8:54
